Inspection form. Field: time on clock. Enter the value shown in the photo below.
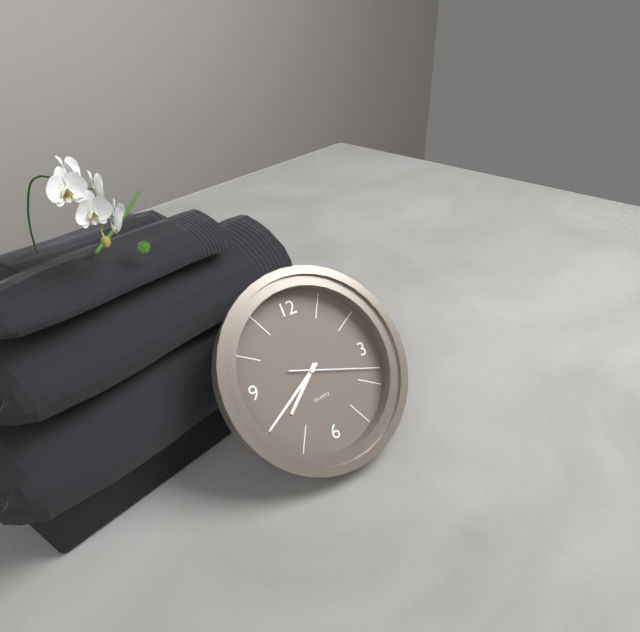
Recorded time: 7:40:18
